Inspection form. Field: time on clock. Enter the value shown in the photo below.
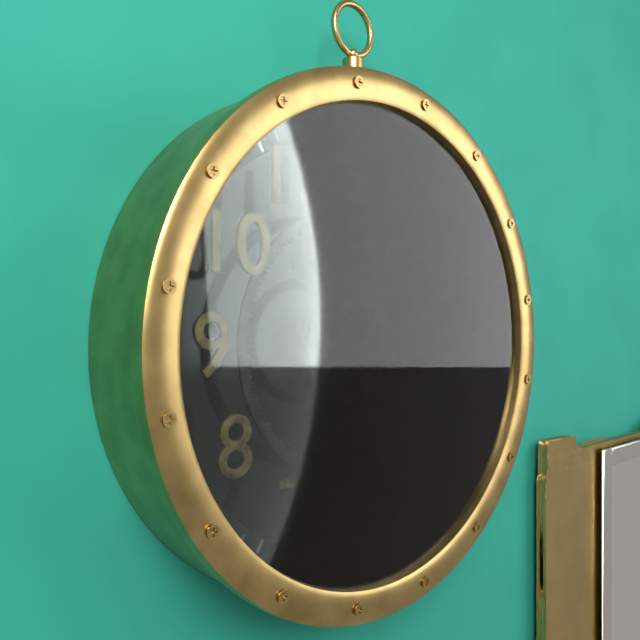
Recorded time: 3:57
